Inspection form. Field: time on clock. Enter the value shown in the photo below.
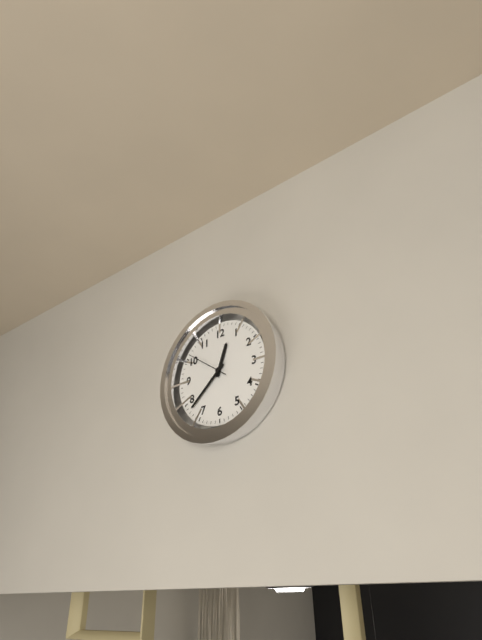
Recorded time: 12:38
